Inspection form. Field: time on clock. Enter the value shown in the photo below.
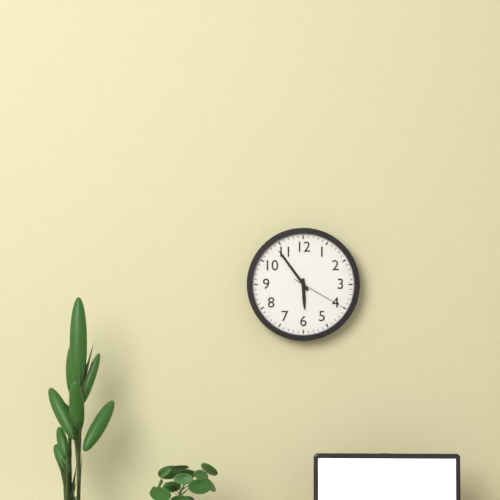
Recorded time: 5:54:20
